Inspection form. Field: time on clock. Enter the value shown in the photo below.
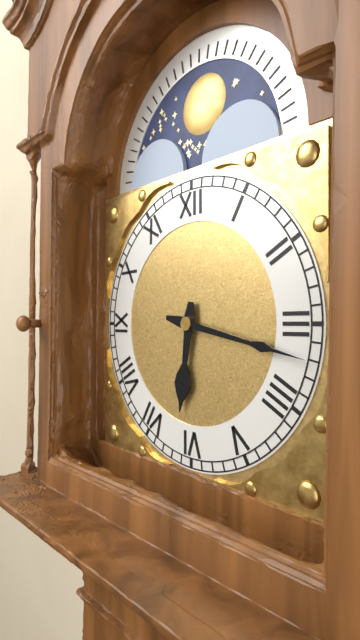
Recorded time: 6:17
